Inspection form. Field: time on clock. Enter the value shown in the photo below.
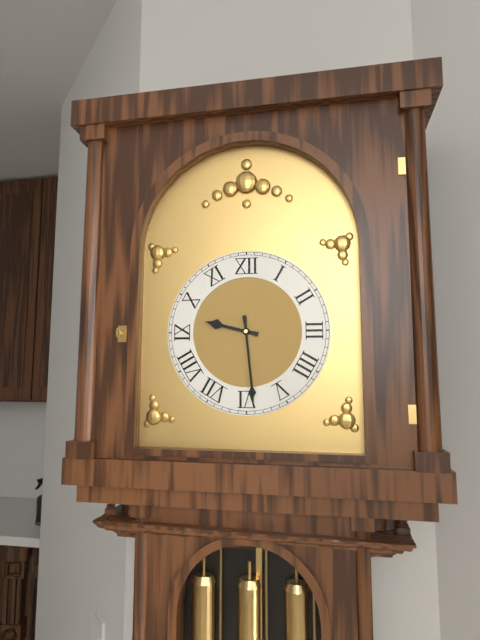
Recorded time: 9:29
